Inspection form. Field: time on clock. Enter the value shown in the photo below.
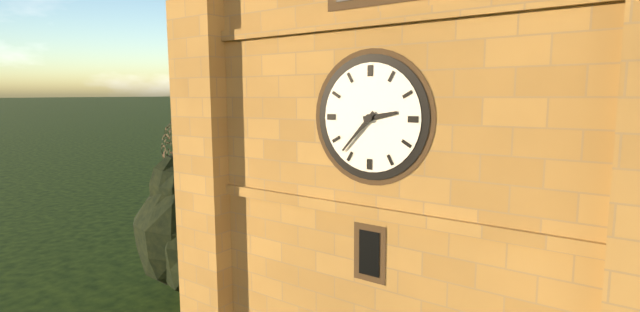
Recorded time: 2:37
